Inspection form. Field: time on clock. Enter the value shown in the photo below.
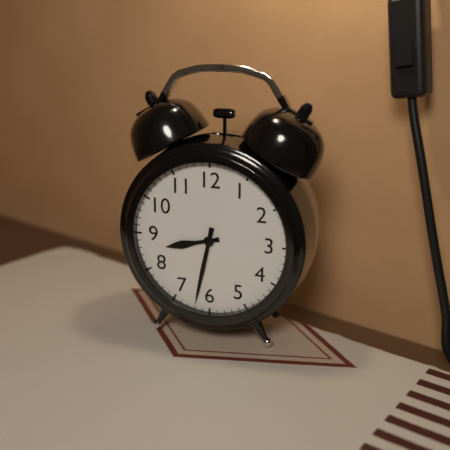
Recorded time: 8:32
